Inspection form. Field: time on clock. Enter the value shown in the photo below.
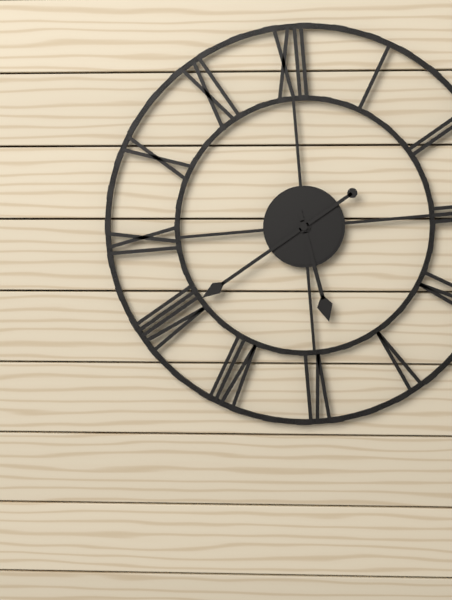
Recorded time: 5:40
